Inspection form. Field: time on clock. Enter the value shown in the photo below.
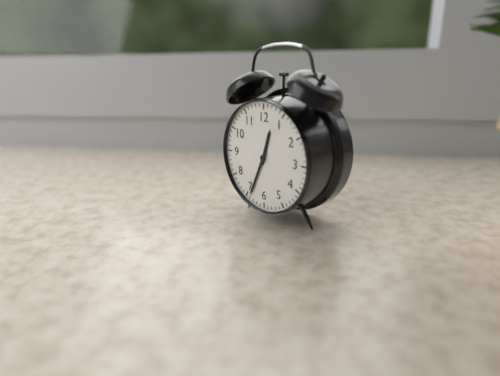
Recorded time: 12:34
